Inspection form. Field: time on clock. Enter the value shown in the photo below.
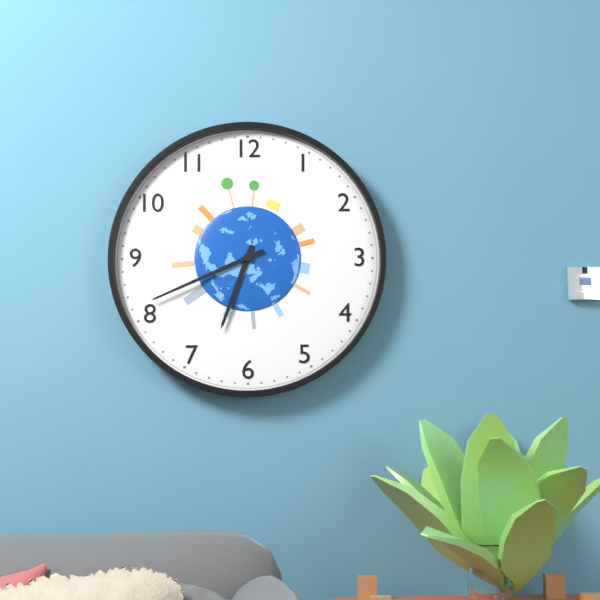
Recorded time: 6:41
